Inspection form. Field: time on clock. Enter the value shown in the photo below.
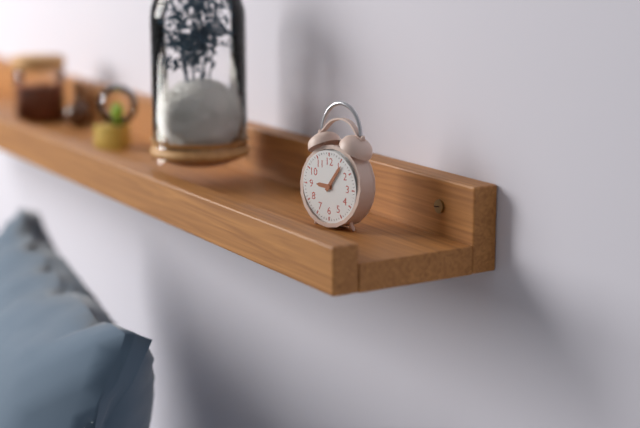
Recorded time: 9:06
